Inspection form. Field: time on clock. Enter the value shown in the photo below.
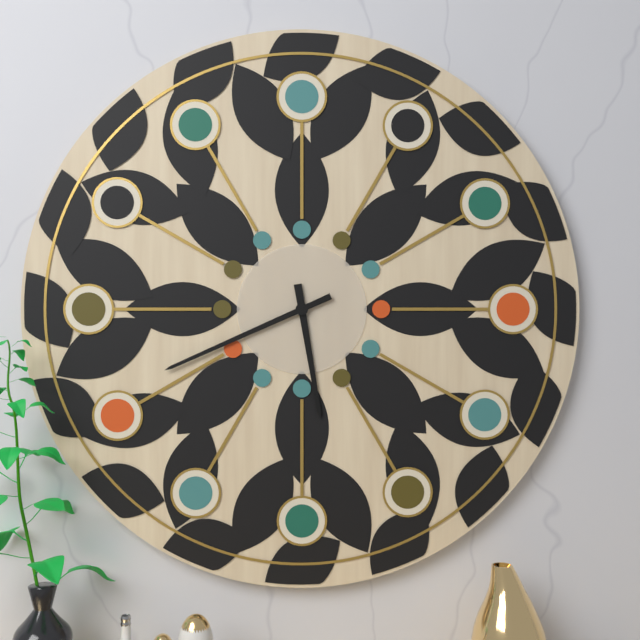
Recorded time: 5:41
